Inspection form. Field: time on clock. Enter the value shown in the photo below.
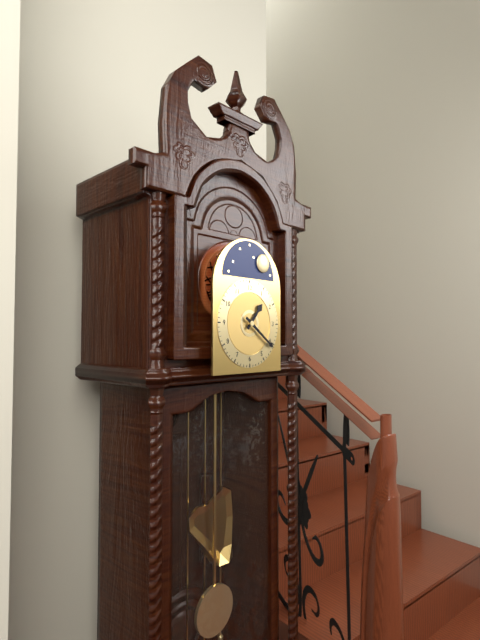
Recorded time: 1:21
